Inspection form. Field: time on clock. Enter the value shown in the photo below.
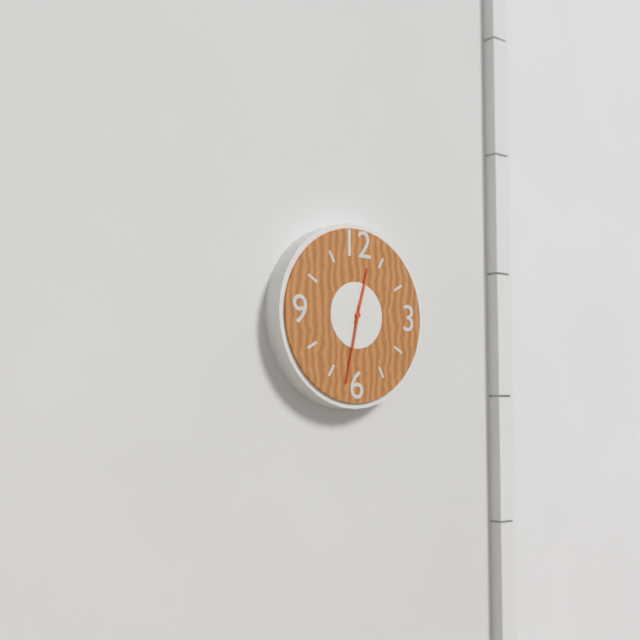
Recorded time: 12:32
